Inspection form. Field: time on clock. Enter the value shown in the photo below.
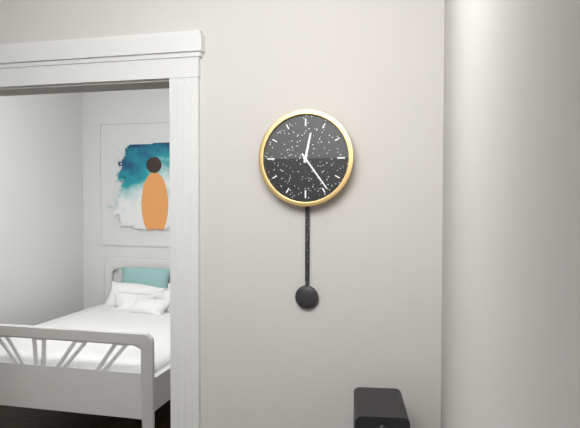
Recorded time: 12:24
